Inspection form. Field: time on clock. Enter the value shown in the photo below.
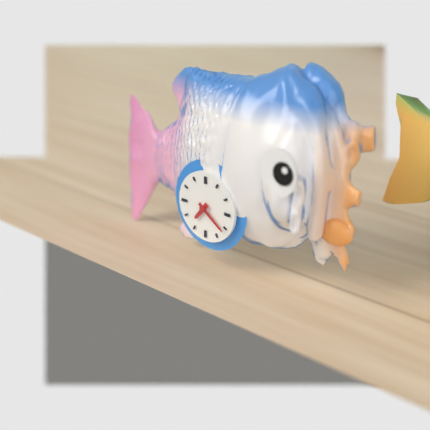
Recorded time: 7:21
